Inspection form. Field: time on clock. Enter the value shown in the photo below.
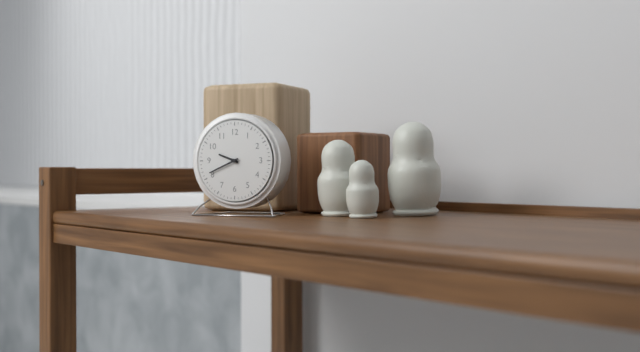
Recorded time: 9:41
